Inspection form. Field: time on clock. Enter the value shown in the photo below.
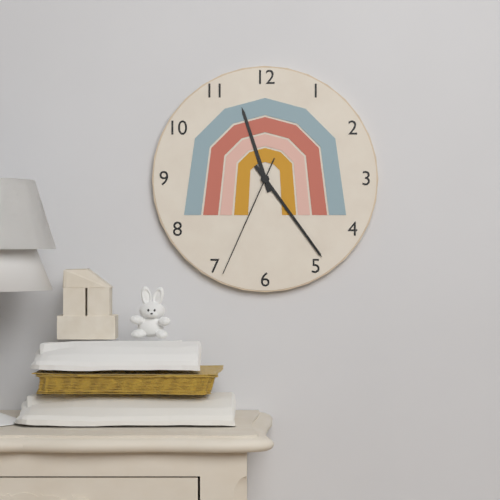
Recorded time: 11:24:34
